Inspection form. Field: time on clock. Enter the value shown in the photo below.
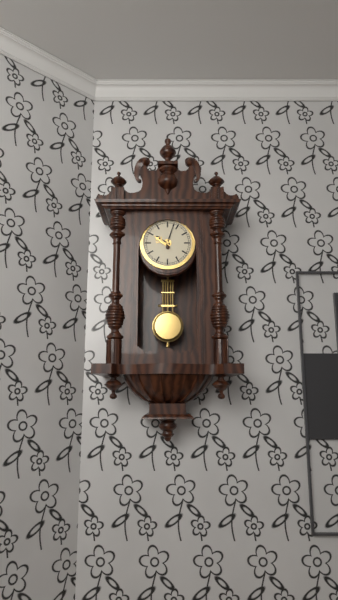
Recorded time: 10:03
